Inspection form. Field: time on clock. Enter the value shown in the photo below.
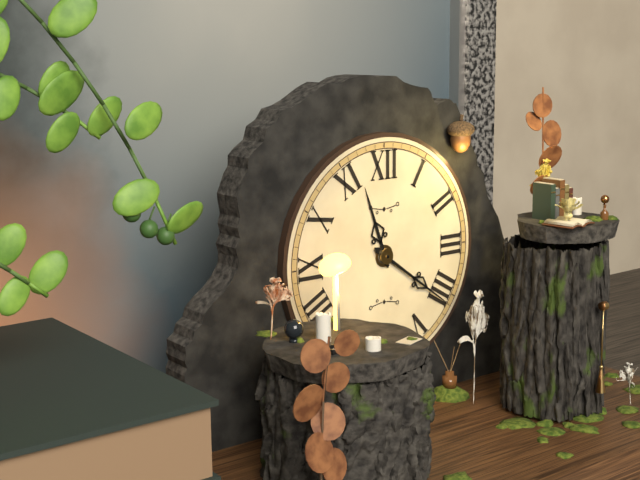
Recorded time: 11:21
